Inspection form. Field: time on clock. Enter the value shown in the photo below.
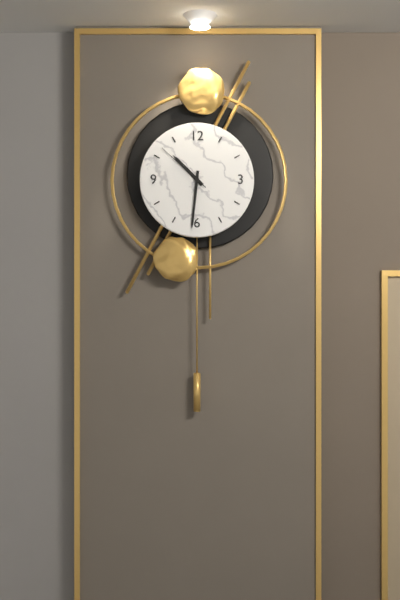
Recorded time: 10:31:52
